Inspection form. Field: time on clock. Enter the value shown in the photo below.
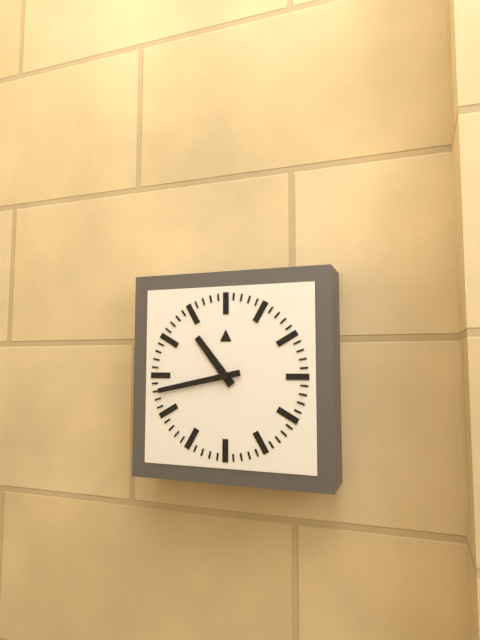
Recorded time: 10:43
